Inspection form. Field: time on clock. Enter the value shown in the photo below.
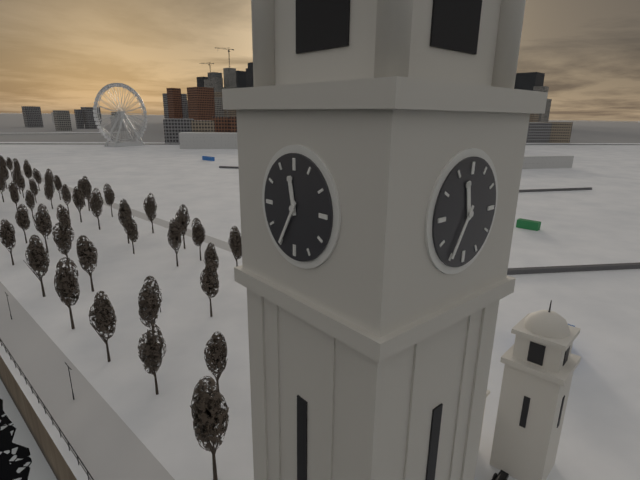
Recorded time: 11:35
